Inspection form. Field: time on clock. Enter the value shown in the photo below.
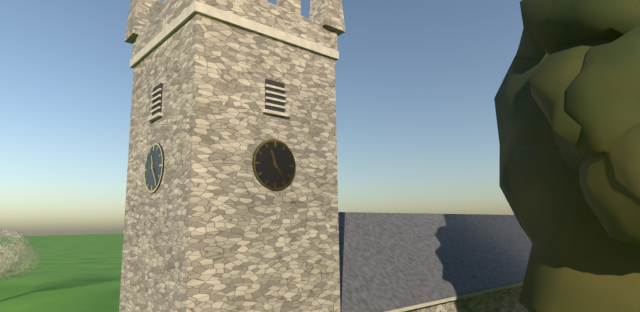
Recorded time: 11:24
